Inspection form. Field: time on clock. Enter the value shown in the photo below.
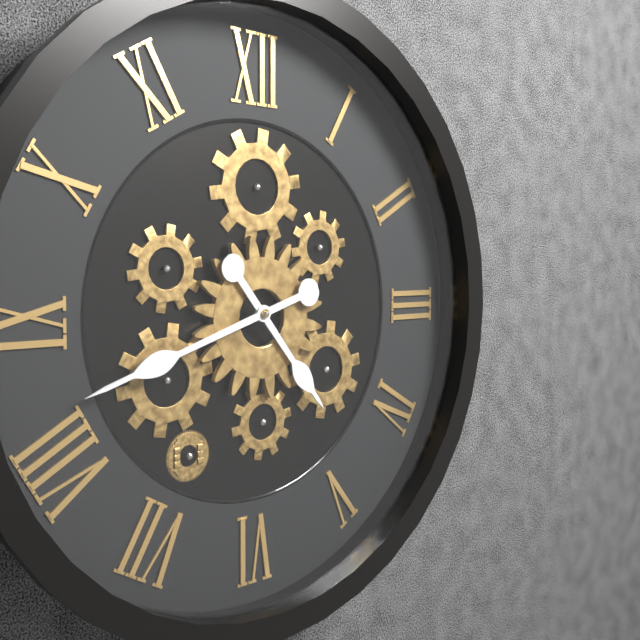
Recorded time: 4:42
